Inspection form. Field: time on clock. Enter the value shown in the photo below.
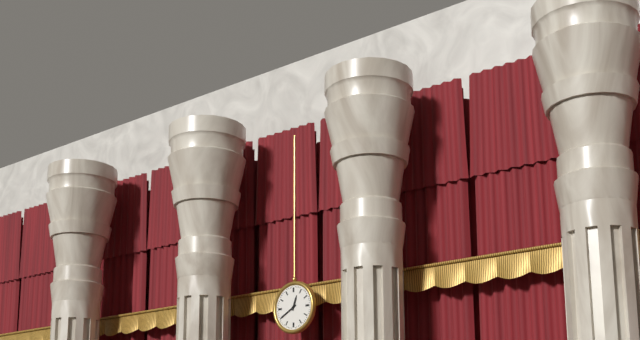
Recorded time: 12:40
